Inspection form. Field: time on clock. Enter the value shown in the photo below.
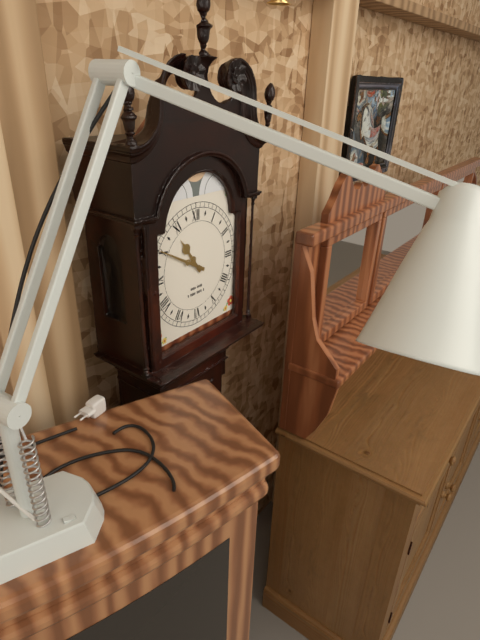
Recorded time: 10:50
